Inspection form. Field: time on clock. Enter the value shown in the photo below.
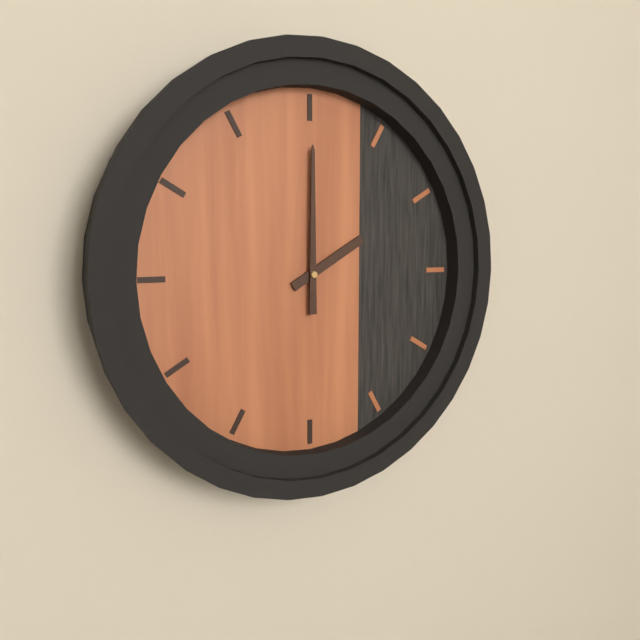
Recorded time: 2:00
